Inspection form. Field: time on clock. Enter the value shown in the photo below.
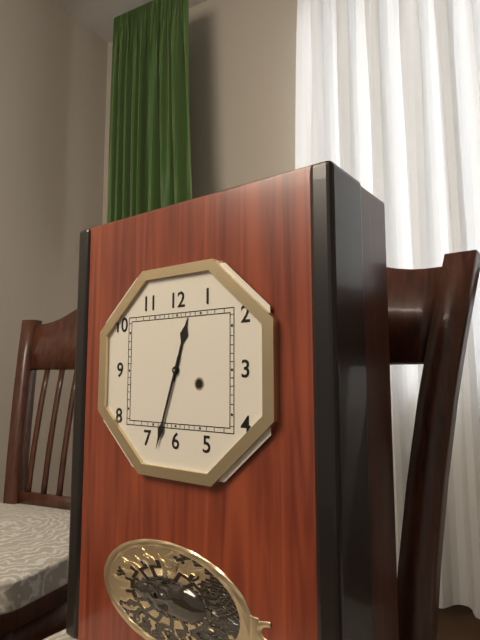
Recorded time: 12:33
